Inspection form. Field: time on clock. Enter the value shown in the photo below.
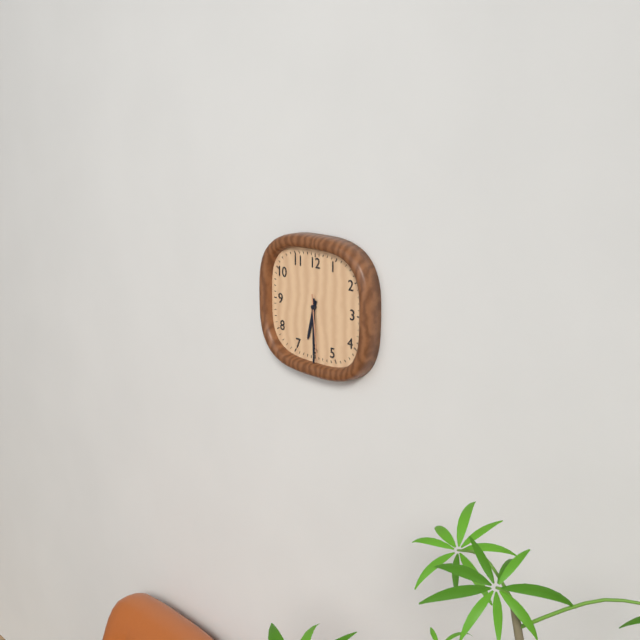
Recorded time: 6:30:29
